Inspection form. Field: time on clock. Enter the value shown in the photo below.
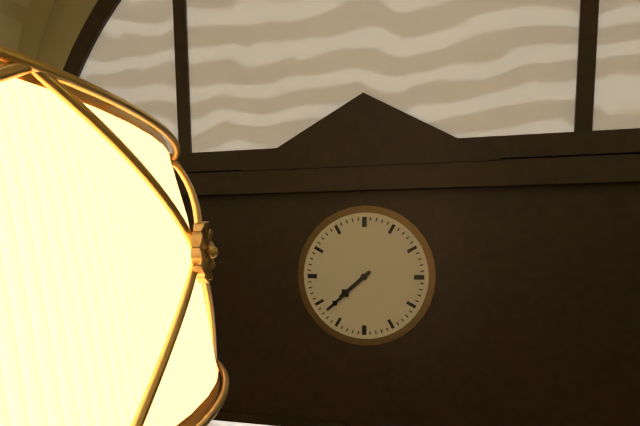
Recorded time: 7:38
